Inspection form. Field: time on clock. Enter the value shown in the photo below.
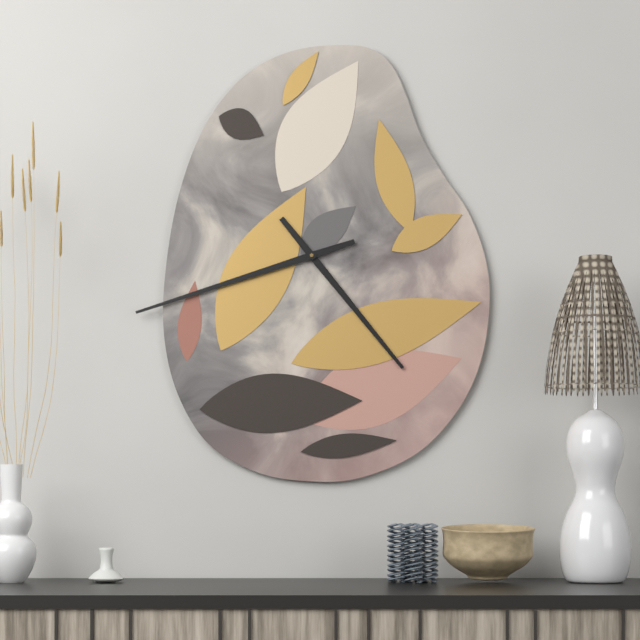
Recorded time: 4:42
